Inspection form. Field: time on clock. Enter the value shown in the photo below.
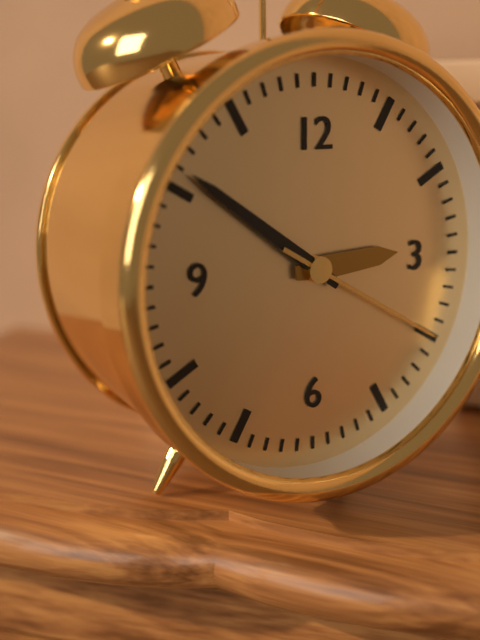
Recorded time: 2:51:20
